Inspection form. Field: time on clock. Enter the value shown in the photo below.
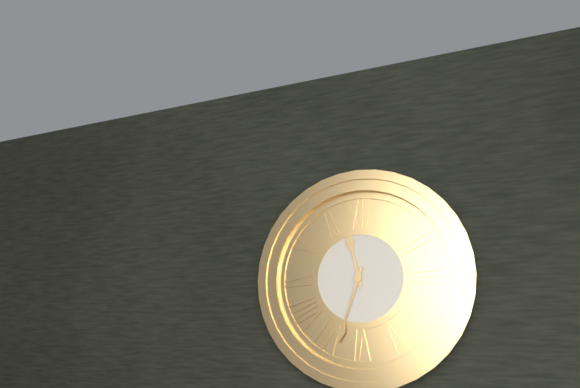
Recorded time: 11:33
